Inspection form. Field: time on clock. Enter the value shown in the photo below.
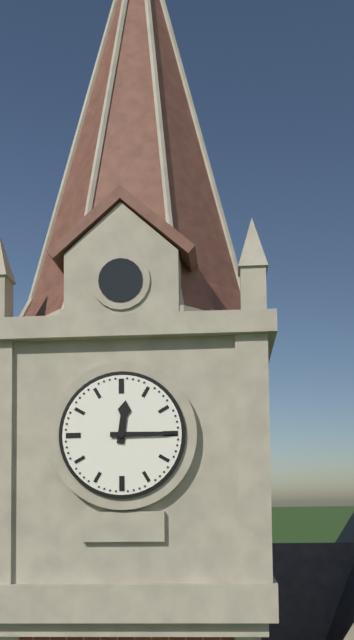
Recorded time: 12:15
